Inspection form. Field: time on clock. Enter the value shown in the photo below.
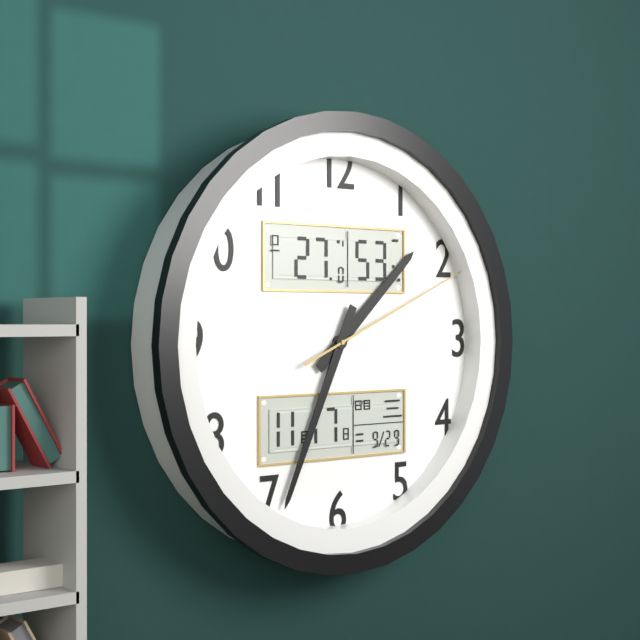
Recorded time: 1:34:11
